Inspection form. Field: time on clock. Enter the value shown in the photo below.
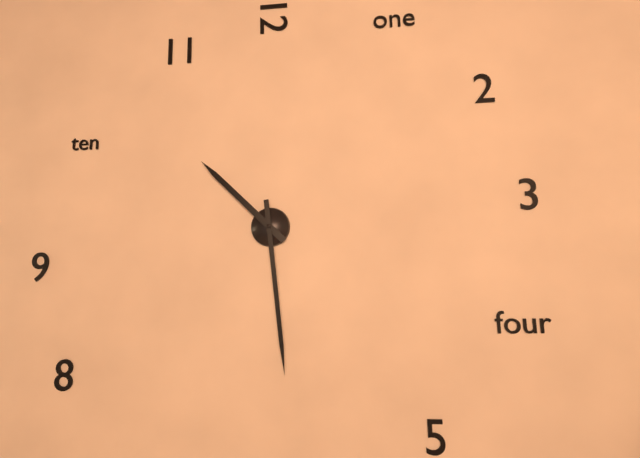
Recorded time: 10:29
